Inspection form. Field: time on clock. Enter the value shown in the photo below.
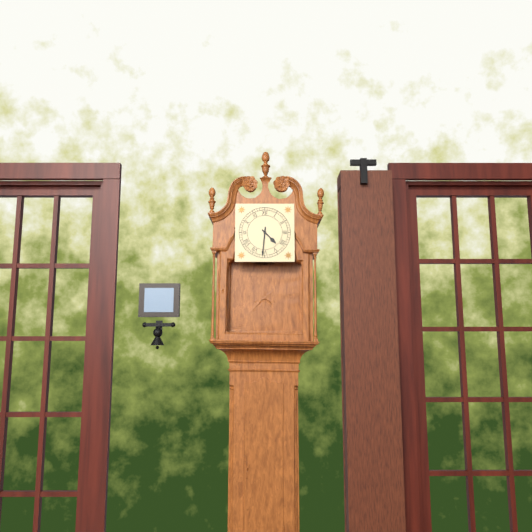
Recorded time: 4:31
